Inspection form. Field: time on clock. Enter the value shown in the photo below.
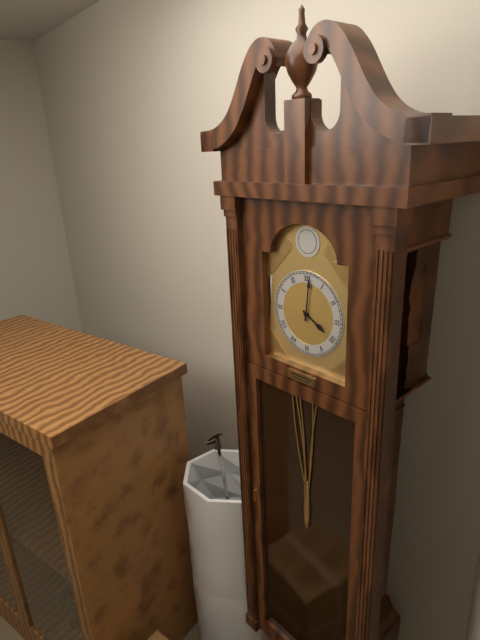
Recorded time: 4:01
